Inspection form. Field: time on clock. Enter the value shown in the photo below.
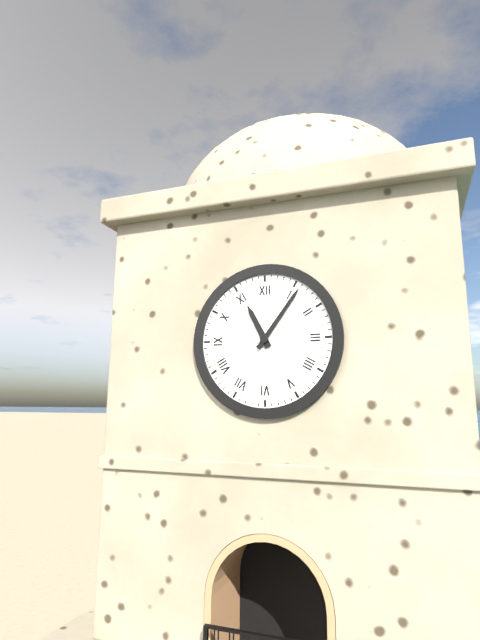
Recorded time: 11:06
